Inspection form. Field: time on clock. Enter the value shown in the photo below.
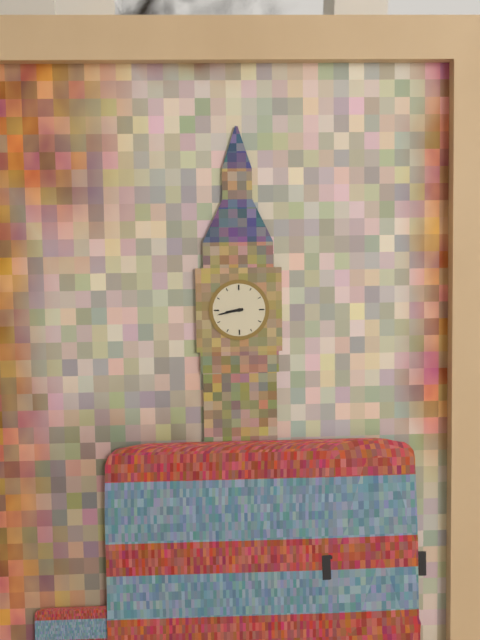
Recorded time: 8:43
